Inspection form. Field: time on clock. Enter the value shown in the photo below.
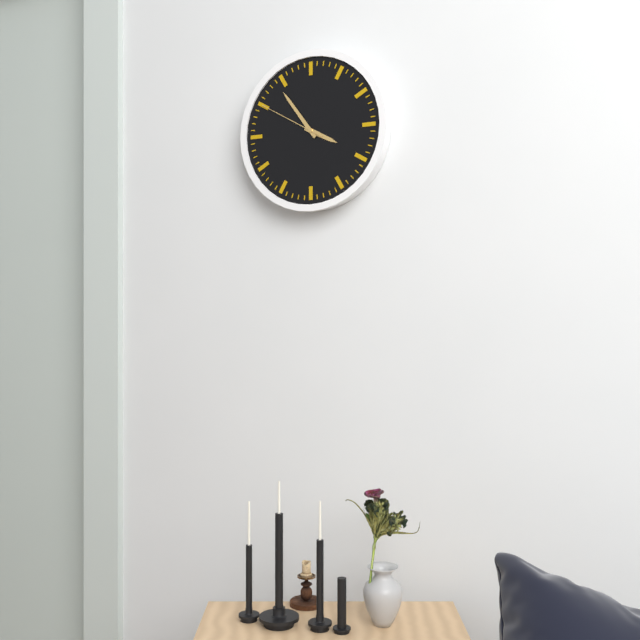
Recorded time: 3:54:50
